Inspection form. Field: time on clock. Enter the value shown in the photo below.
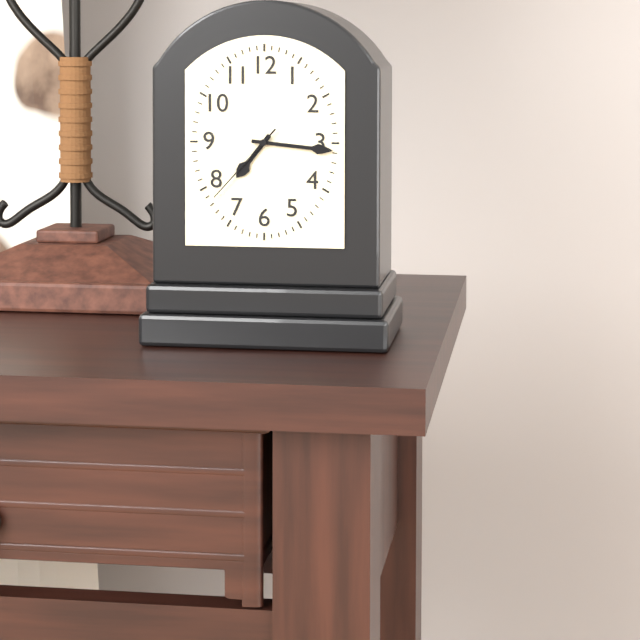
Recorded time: 7:16:37
